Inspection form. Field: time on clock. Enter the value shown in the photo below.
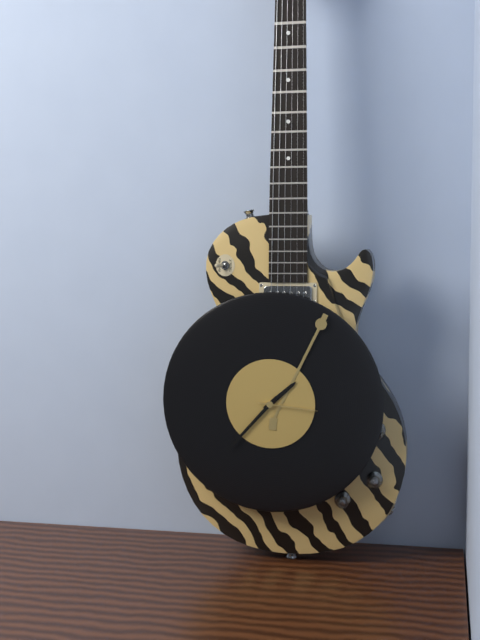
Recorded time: 1:37:16
